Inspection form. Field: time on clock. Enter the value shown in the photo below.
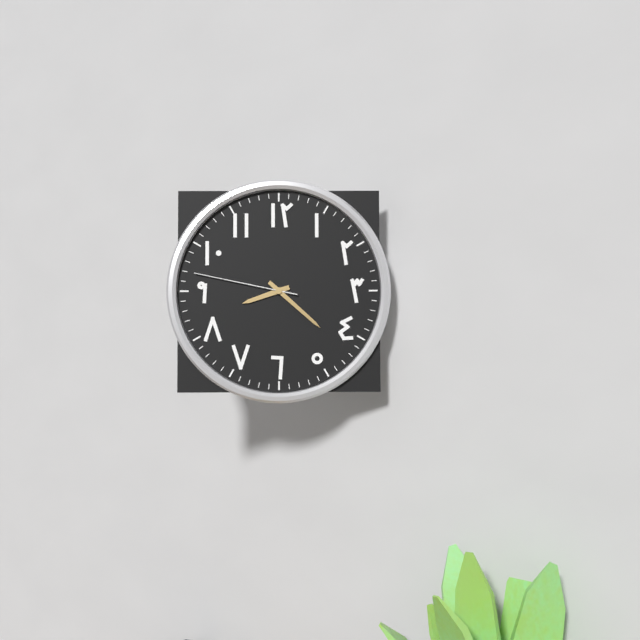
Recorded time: 8:22:47
